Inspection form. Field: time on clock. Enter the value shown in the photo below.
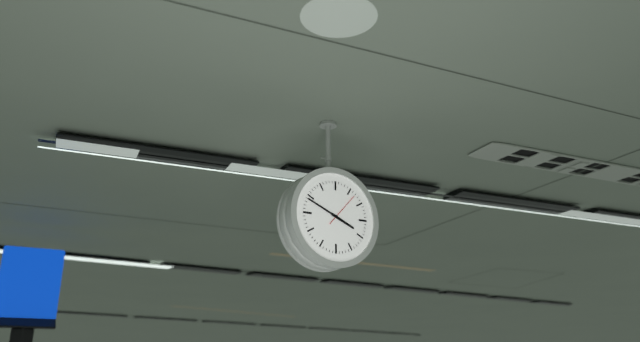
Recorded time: 3:49
